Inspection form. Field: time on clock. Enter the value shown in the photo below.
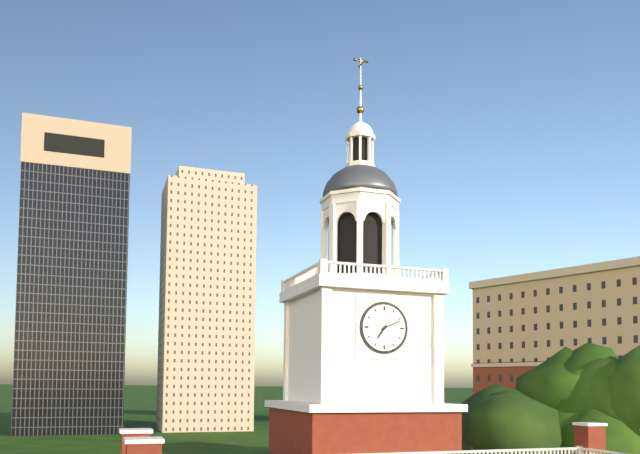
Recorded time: 7:11
